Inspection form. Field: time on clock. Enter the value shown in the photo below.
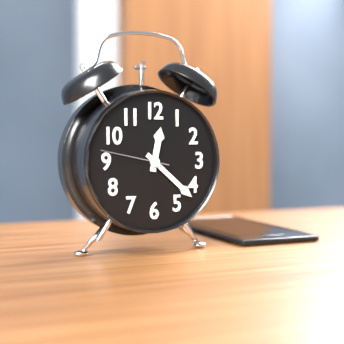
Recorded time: 12:22:47
